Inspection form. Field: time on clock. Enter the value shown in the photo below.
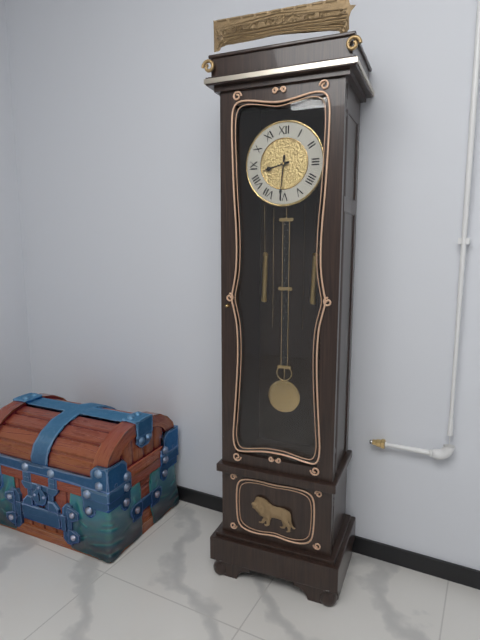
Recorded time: 8:31
